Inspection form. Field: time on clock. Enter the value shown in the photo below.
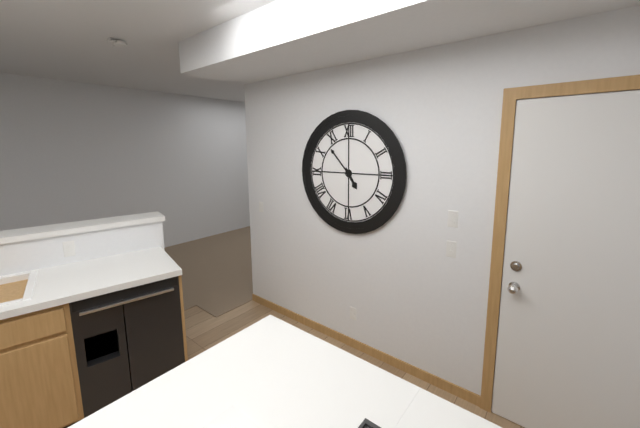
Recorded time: 4:53
